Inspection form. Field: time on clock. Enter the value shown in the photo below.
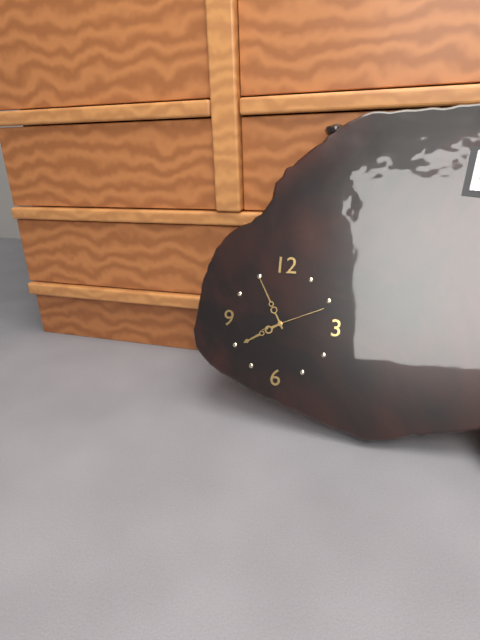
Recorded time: 7:55:11
